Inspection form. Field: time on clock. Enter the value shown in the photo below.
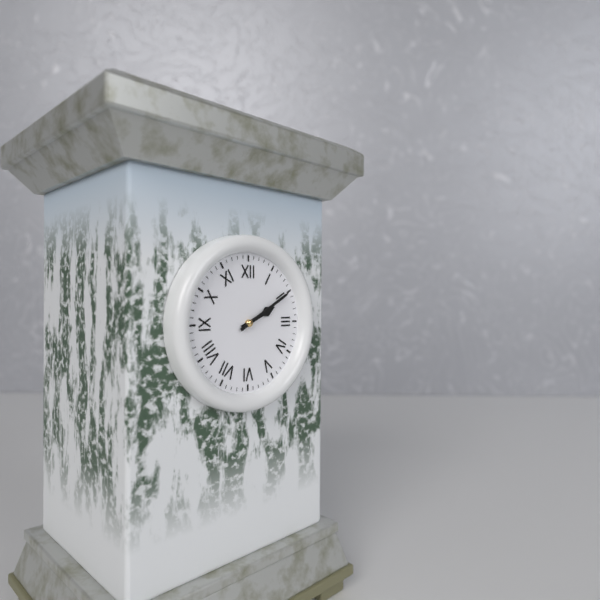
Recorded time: 2:10
